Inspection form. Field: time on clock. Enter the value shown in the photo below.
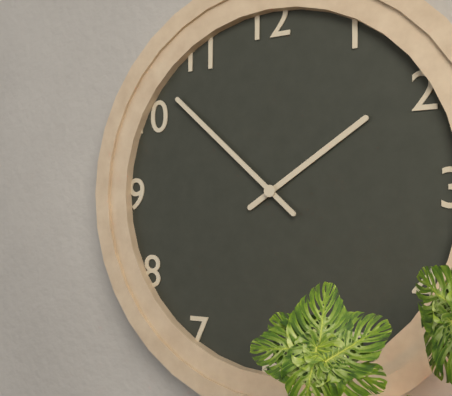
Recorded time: 1:52
